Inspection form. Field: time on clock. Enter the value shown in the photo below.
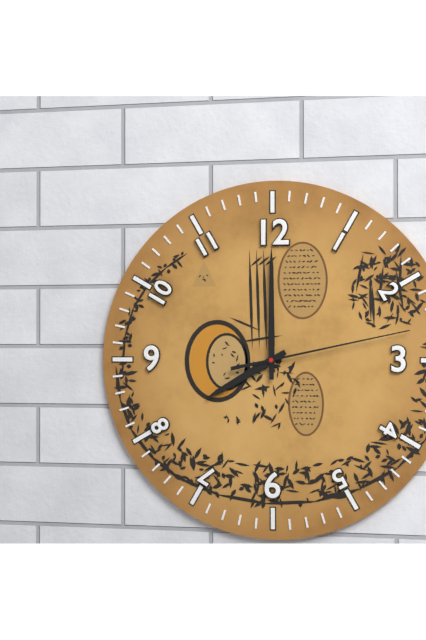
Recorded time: 8:00:13
